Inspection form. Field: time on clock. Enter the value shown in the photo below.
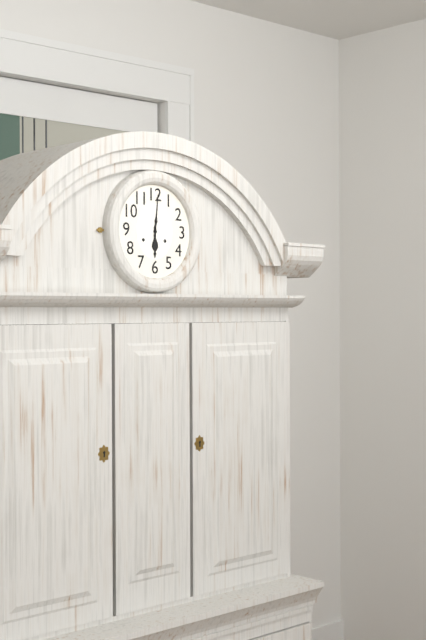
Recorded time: 6:01
